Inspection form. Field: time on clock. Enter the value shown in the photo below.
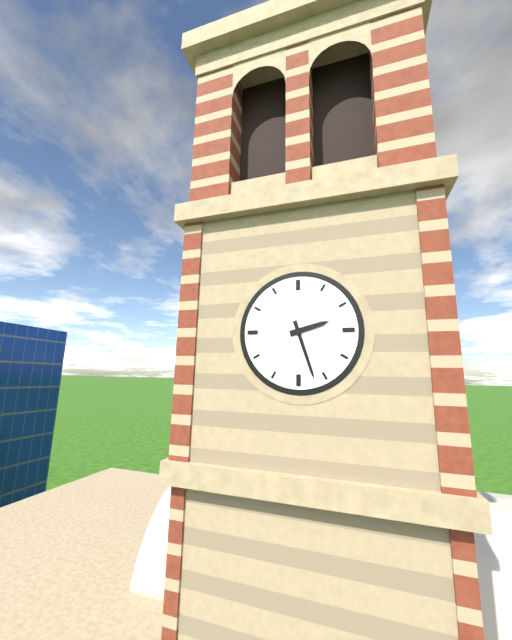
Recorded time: 2:27
